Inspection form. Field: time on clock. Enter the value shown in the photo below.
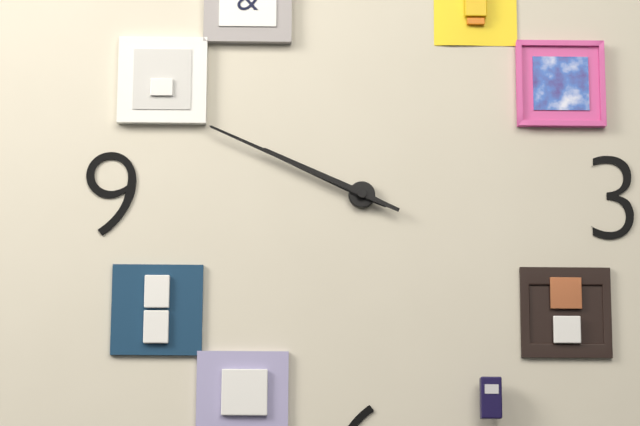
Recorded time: 9:49
